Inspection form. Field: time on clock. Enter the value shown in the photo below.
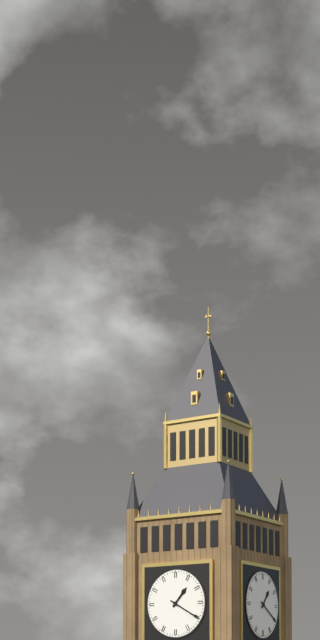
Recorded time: 1:20
